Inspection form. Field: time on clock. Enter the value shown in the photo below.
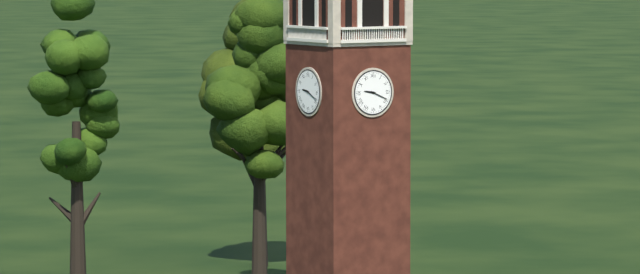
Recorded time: 9:19
